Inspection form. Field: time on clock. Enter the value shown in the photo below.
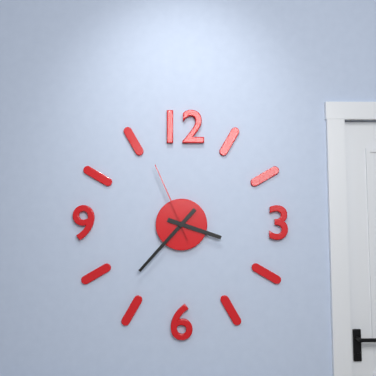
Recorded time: 3:37:56
